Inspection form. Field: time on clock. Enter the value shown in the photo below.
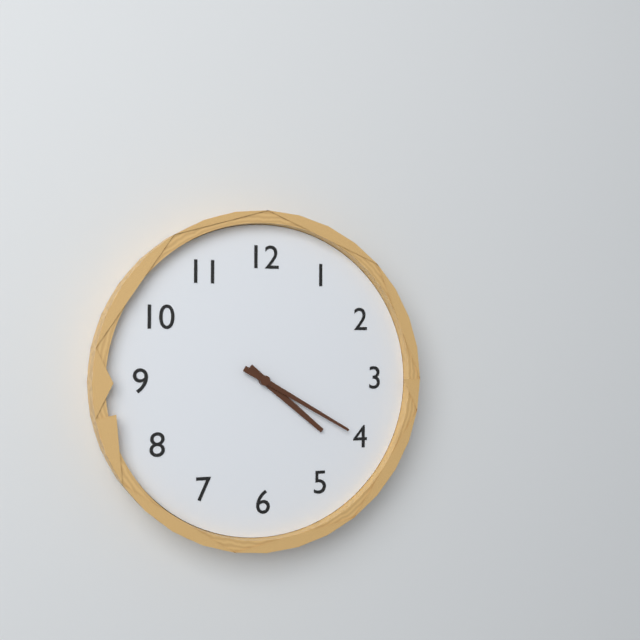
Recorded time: 4:20
